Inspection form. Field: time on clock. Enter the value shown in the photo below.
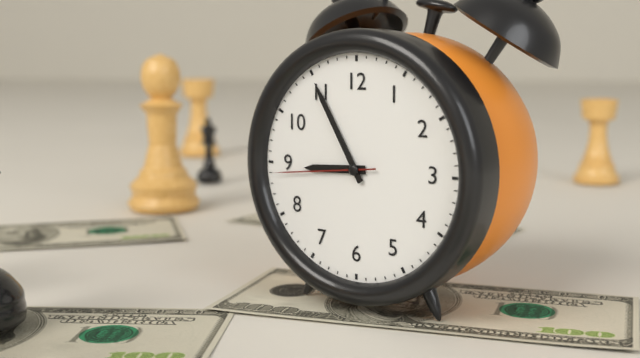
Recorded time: 8:55:44
